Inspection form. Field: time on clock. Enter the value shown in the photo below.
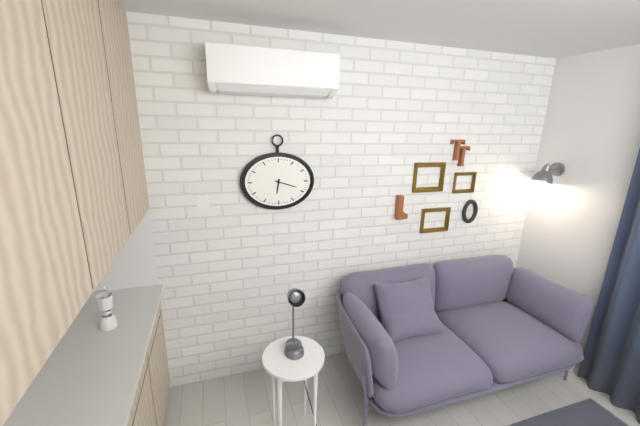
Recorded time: 6:18
